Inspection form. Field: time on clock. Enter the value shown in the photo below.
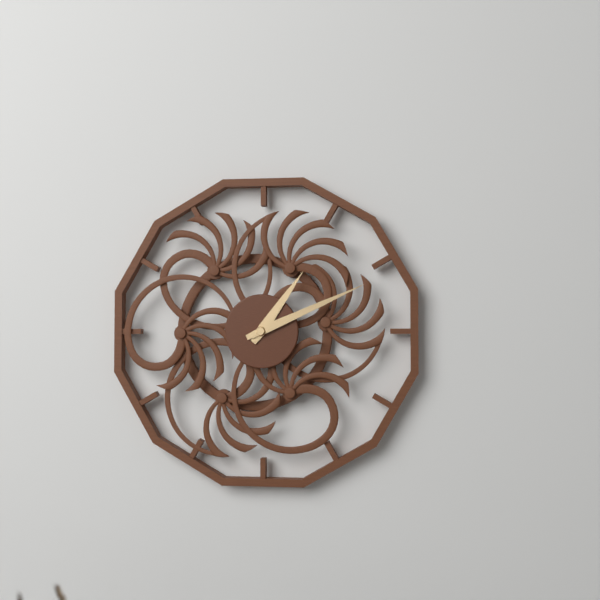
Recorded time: 1:11
